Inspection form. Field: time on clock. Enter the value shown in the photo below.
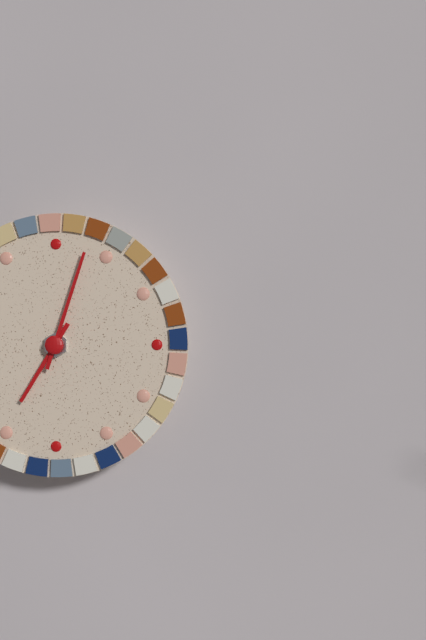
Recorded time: 7:03
